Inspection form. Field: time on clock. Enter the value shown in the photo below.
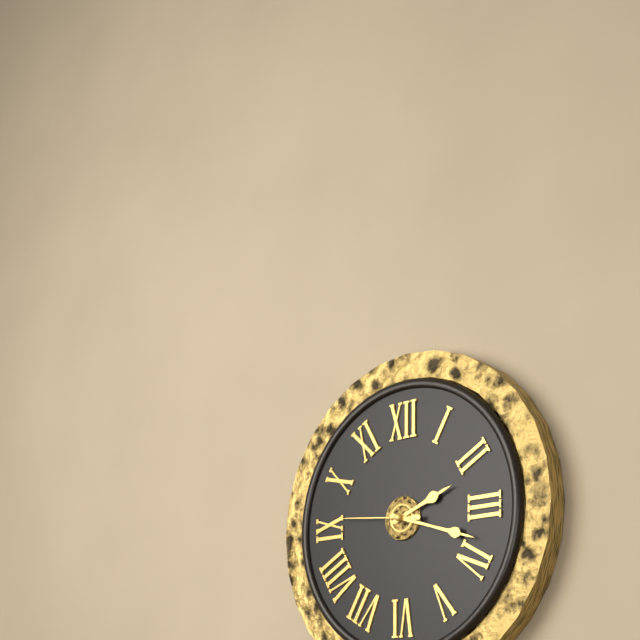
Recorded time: 2:18:46
